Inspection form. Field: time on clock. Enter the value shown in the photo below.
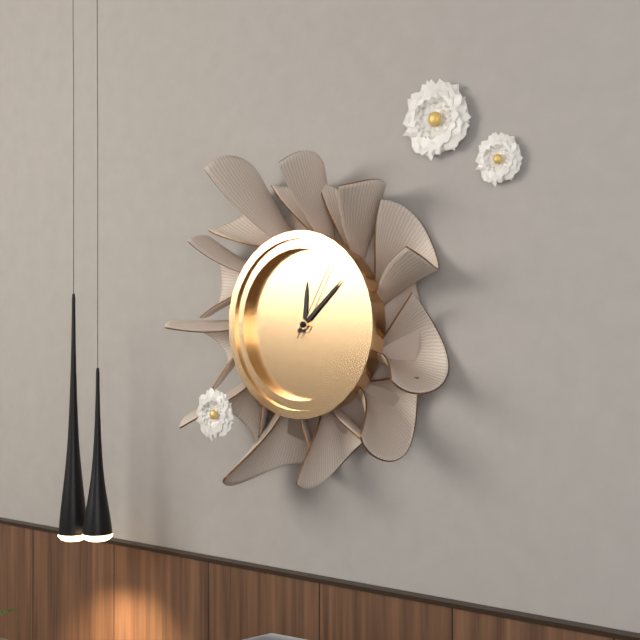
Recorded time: 12:08:05
